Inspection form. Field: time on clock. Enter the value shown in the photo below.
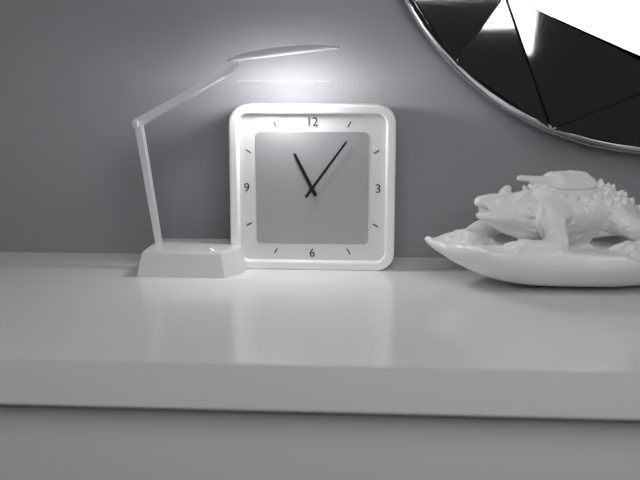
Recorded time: 11:06
